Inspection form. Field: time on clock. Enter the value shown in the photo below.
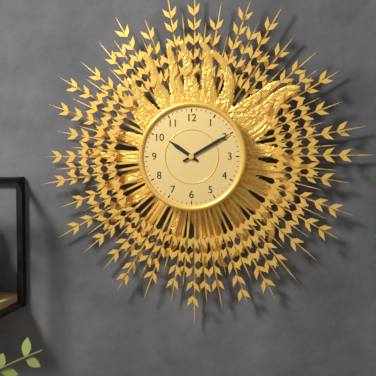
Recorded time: 10:10
